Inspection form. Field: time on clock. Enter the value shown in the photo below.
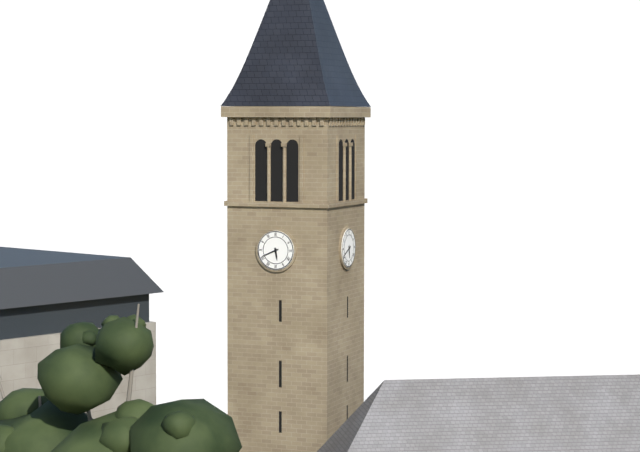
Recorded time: 5:41
